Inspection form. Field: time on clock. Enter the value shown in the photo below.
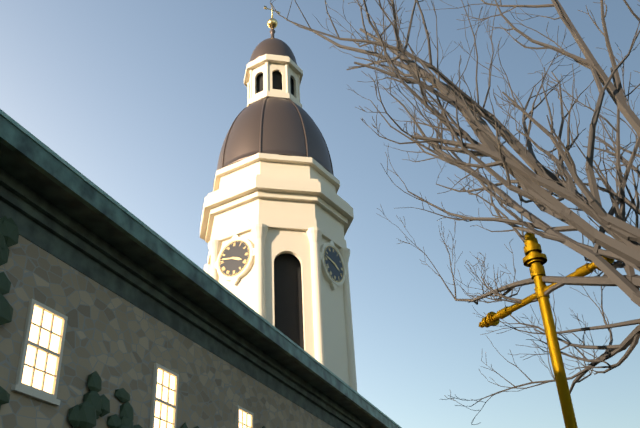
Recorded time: 3:47
